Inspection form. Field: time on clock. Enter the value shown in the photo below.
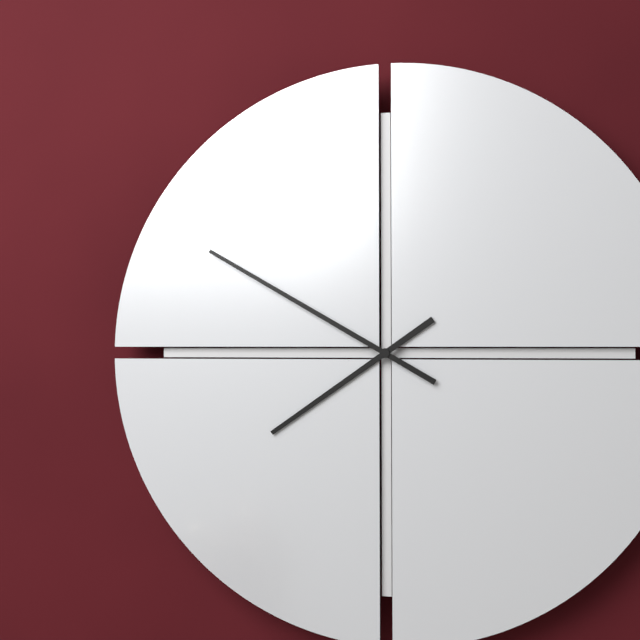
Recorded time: 7:50
